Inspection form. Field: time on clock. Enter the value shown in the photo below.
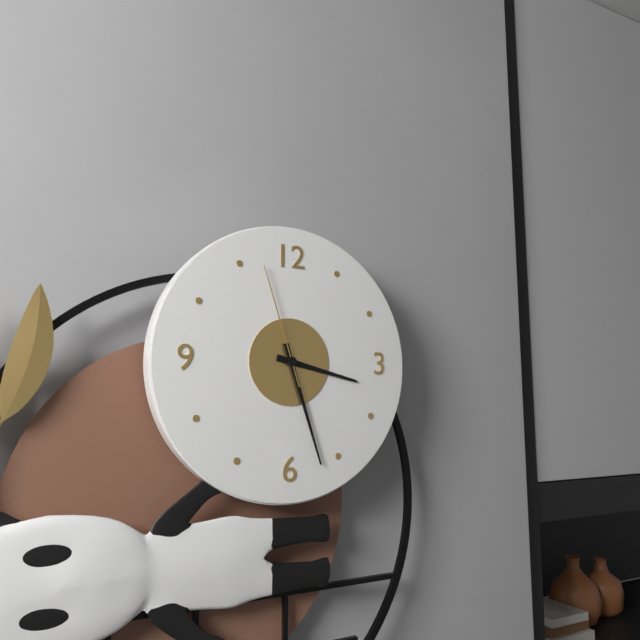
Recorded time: 3:27:57
